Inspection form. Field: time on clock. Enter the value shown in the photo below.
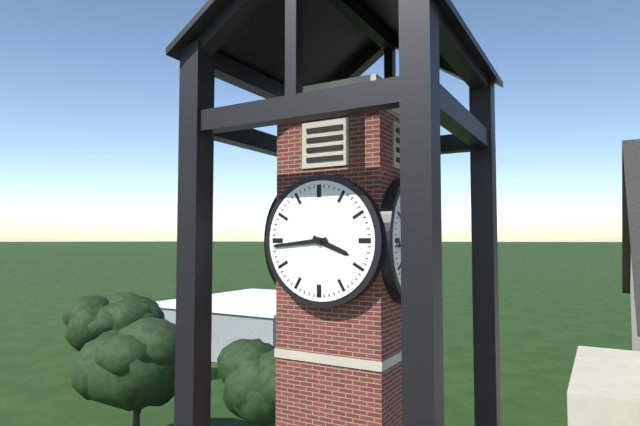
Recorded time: 3:44
